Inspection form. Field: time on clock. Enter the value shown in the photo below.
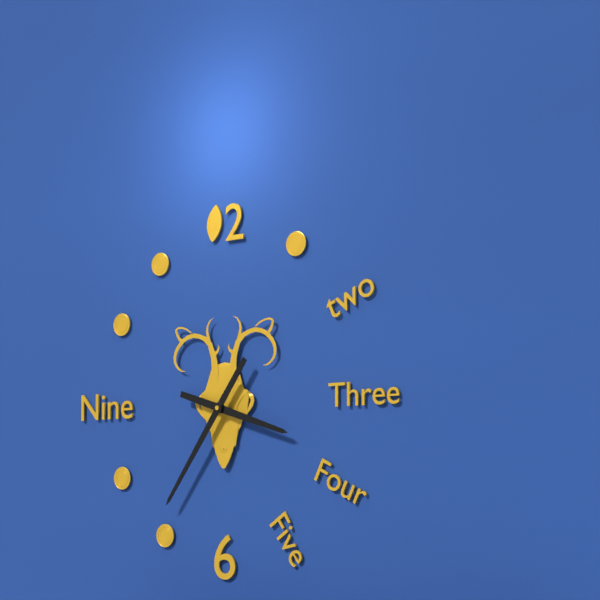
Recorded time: 3:36
